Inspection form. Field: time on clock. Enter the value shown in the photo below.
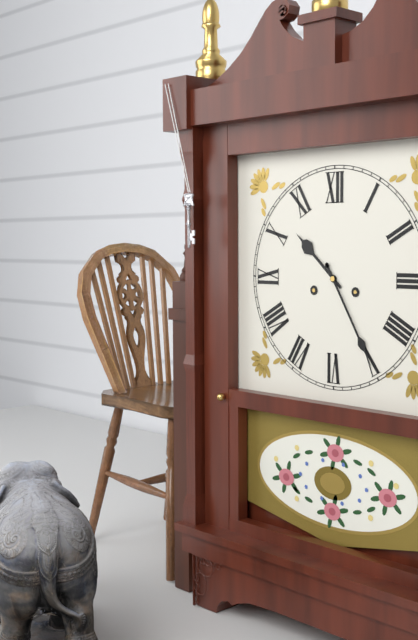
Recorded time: 10:25
